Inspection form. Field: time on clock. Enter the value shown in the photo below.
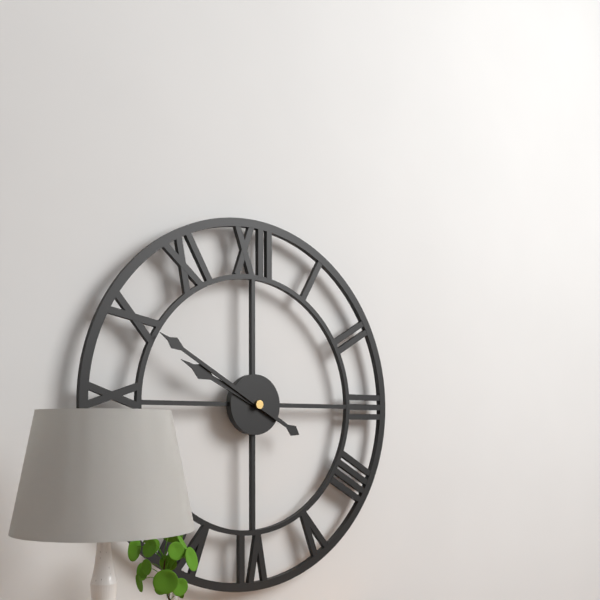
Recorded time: 9:50
